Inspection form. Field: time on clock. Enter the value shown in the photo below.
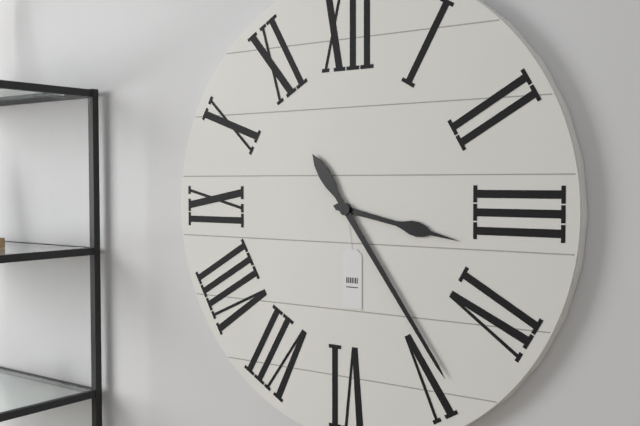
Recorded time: 3:24
